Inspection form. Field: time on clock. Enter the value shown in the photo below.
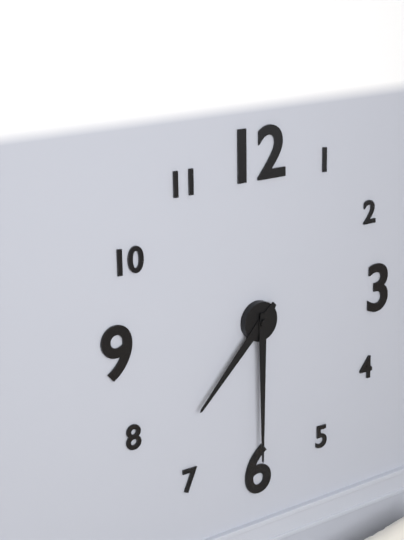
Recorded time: 7:30
